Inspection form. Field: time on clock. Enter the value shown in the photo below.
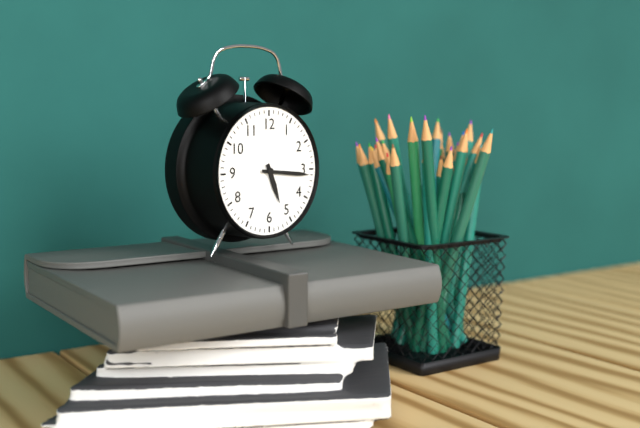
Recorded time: 5:16
